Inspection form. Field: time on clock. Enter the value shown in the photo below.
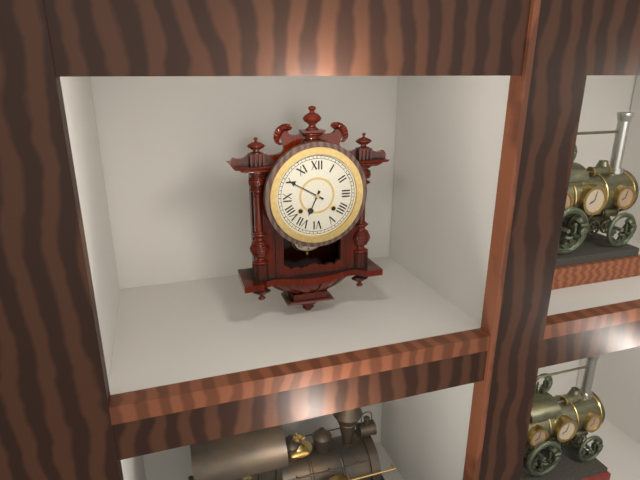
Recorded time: 6:50
